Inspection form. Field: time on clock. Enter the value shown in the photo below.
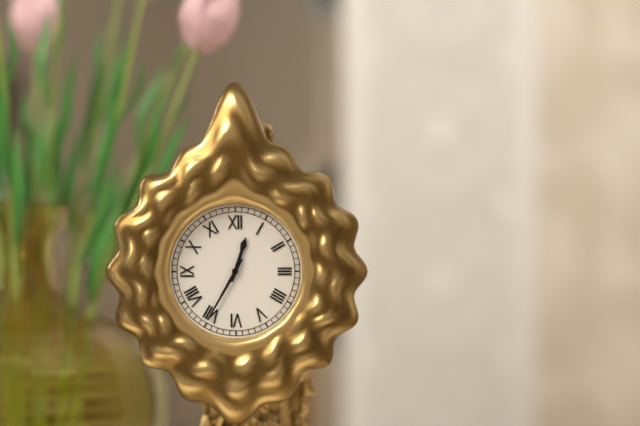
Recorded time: 12:35
